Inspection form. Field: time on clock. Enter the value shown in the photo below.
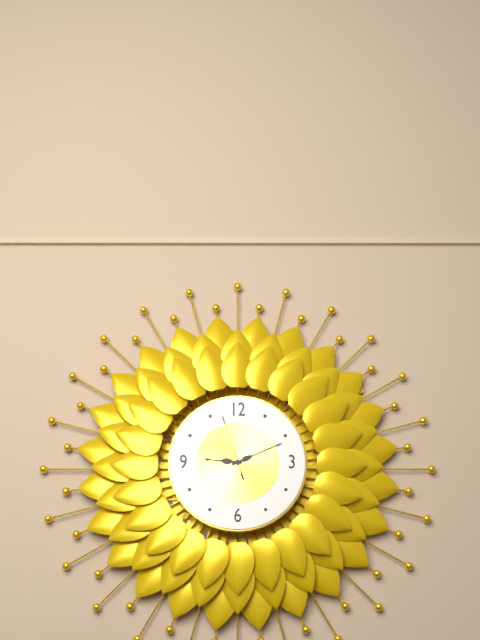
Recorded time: 9:11:57
